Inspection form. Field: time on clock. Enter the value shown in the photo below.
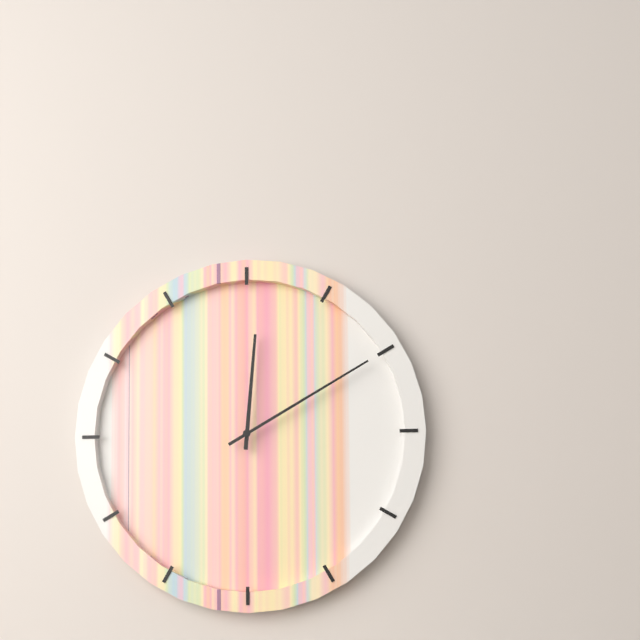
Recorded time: 12:10
